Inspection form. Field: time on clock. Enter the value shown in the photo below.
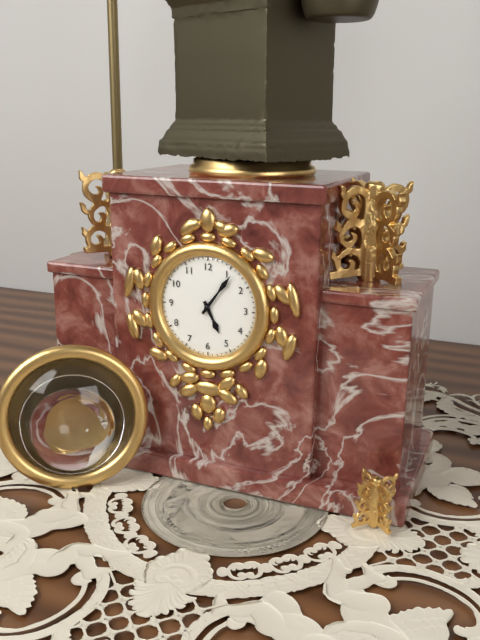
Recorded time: 5:06
